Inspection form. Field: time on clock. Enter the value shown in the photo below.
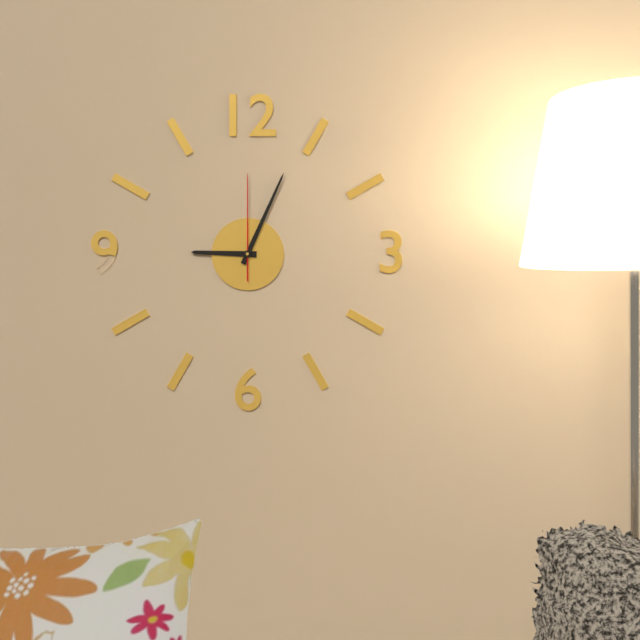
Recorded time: 9:04:00
